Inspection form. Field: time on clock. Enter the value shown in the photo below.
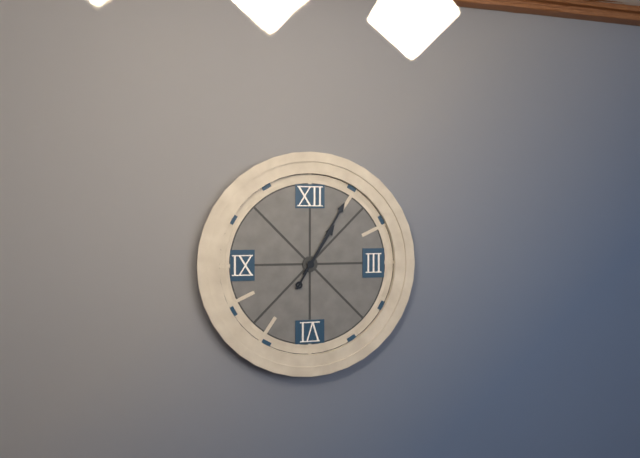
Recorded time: 1:05
